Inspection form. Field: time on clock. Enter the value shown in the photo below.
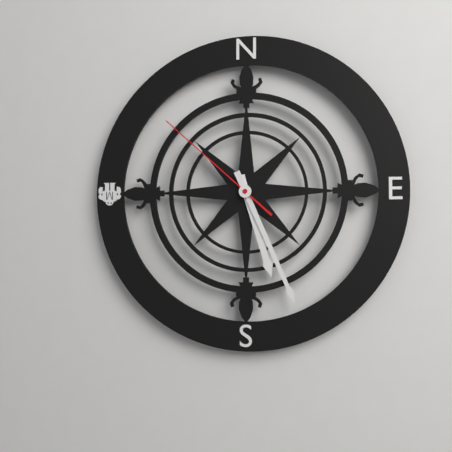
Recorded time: 5:26:52
